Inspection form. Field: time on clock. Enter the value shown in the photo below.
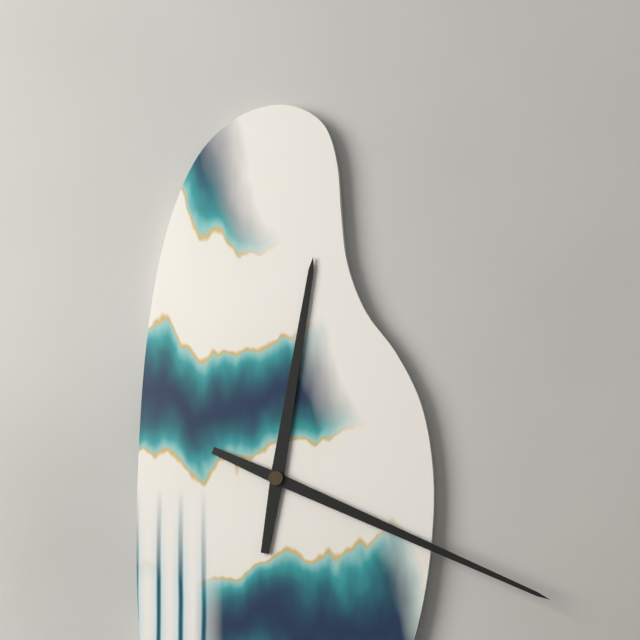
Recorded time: 12:19
